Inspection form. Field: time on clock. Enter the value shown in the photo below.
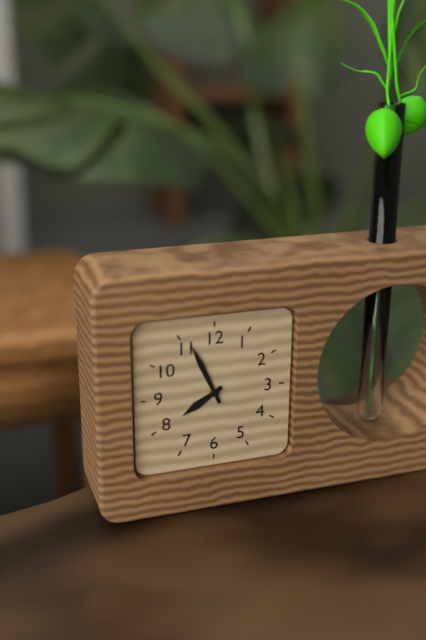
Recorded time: 7:56
